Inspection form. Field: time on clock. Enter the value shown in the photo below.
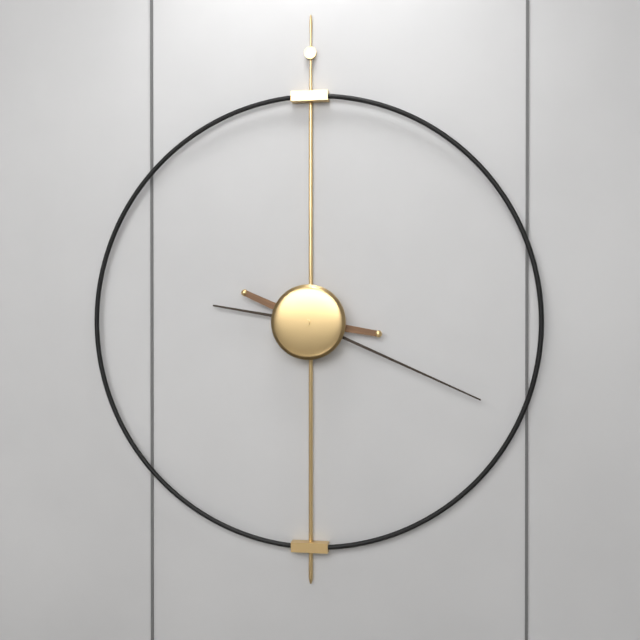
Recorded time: 9:19
